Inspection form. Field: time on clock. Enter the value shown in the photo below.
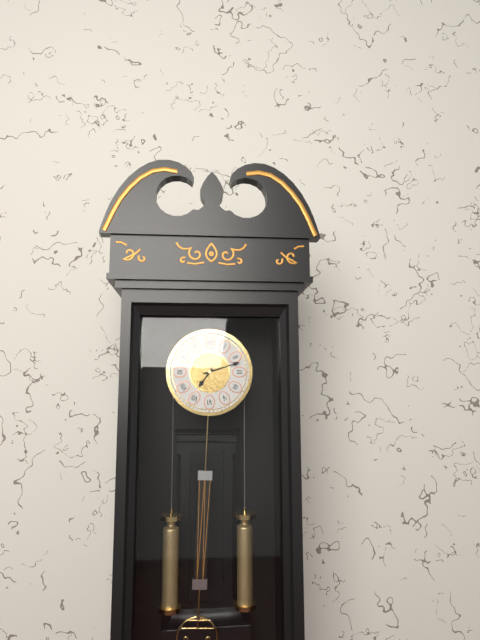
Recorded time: 7:12
